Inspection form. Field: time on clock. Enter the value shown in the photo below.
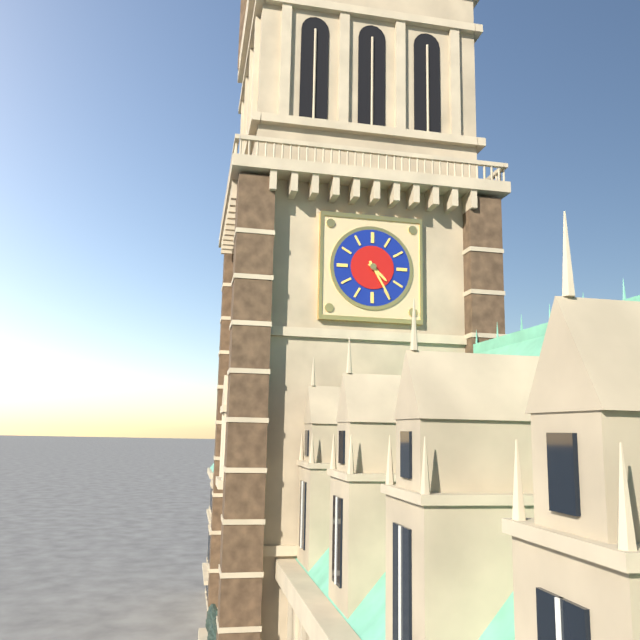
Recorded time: 4:25
